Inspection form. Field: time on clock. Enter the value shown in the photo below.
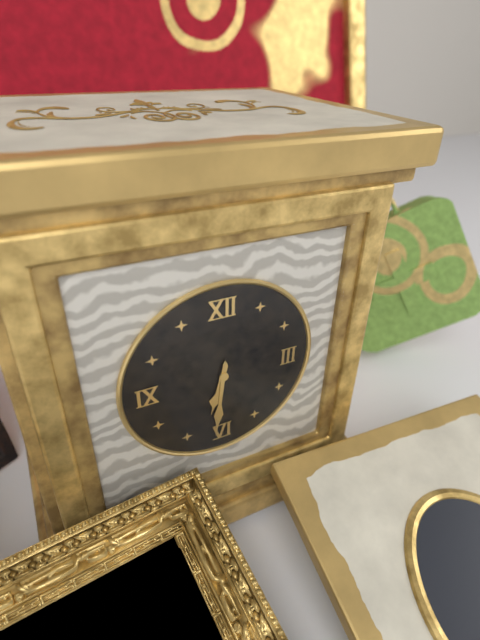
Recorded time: 6:31
